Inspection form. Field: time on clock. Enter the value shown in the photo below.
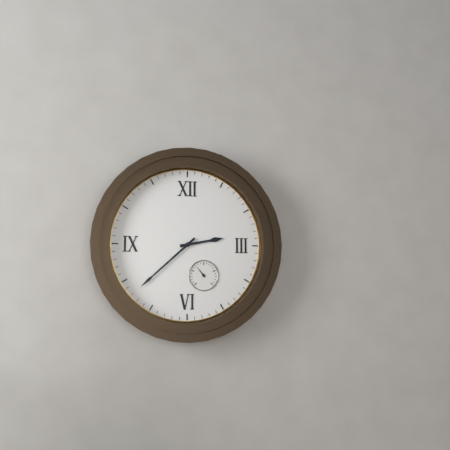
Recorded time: 2:38
